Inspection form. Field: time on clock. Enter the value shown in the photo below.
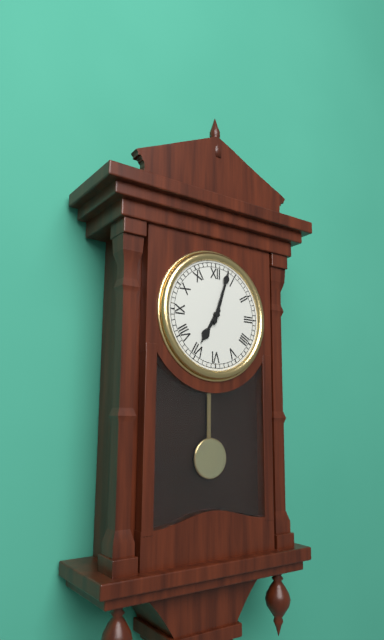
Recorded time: 7:03
